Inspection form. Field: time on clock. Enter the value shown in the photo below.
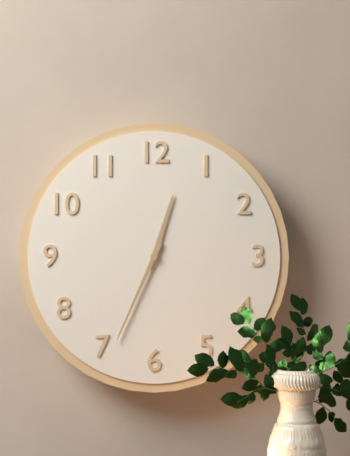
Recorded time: 12:34
